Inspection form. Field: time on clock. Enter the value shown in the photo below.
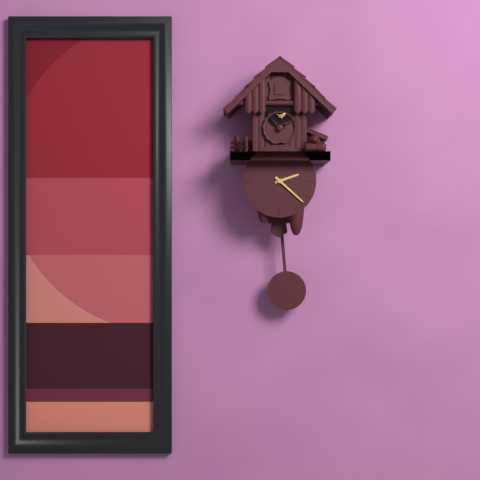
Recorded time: 2:22
